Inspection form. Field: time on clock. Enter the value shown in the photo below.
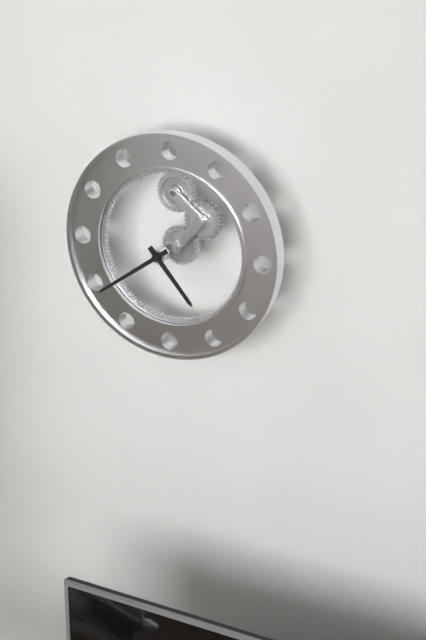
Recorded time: 4:39
